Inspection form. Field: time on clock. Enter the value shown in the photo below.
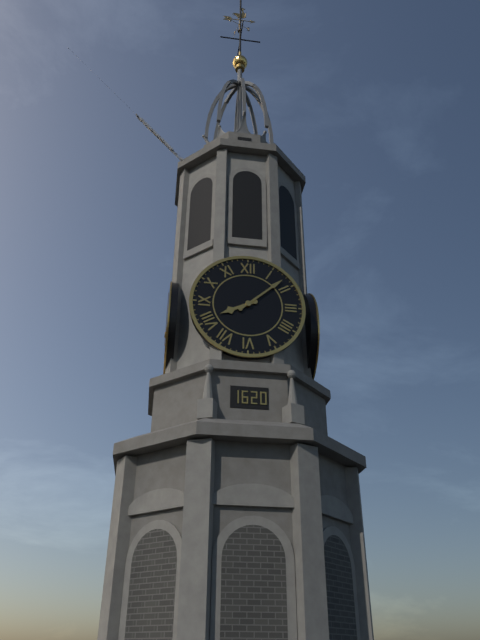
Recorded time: 8:08
